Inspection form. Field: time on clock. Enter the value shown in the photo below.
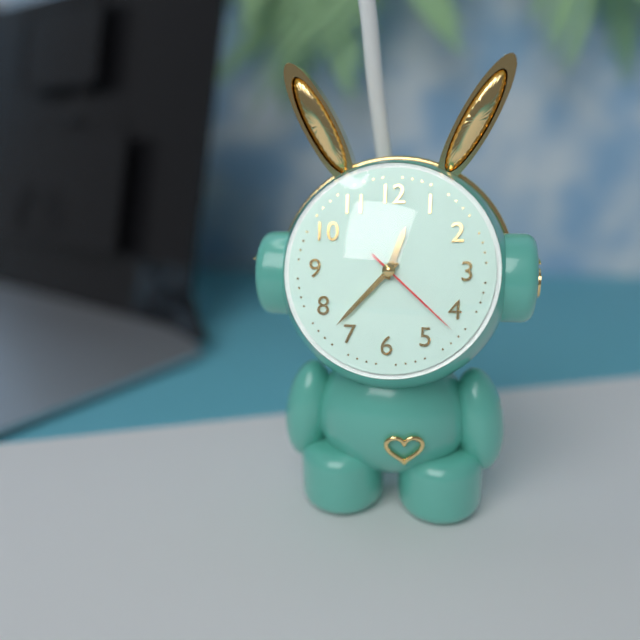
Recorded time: 12:37:22
